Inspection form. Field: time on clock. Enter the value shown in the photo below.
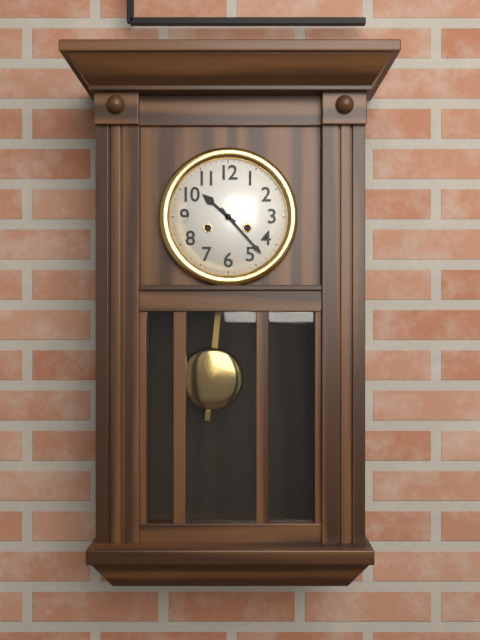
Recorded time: 10:23
